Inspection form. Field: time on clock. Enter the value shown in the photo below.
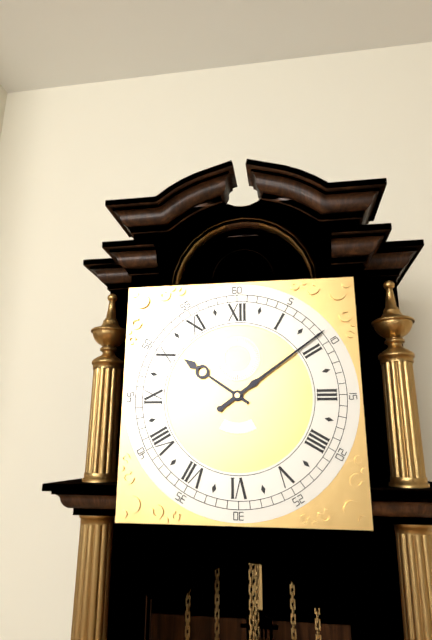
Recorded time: 10:09
